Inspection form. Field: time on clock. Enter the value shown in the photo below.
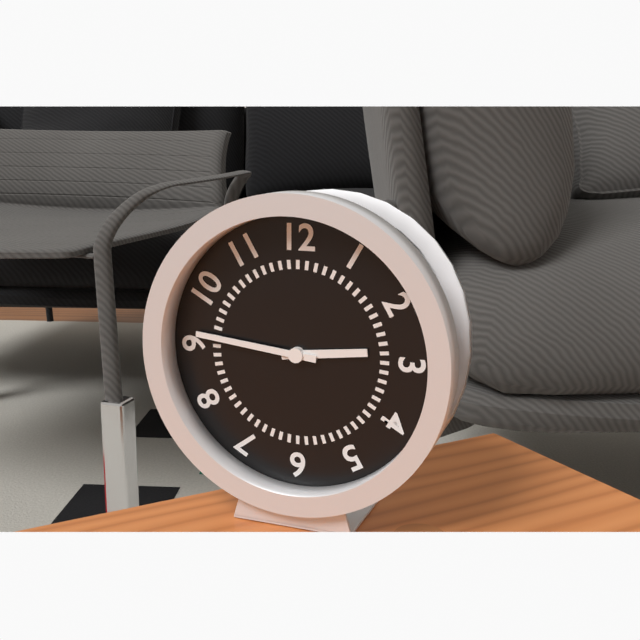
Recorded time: 2:46
